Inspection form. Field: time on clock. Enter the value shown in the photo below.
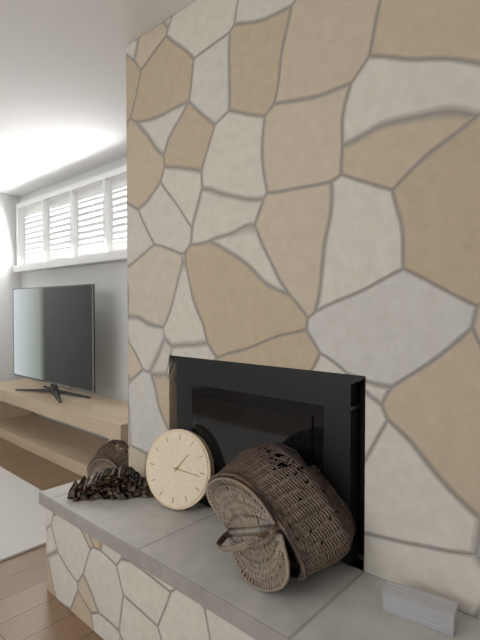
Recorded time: 1:16
